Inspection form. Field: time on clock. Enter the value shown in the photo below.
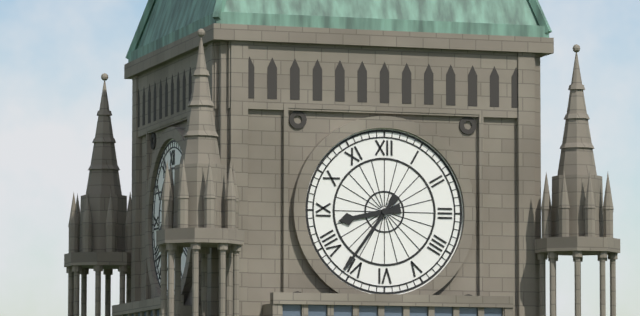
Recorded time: 8:36
